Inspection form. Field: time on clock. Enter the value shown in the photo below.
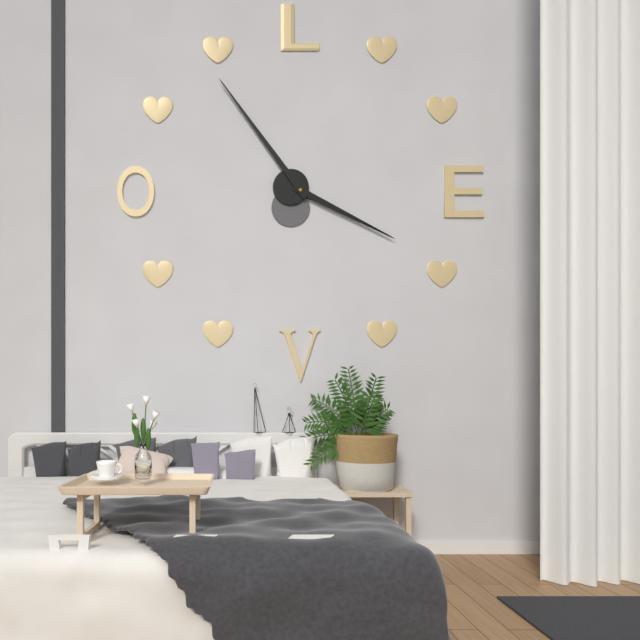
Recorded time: 3:54
